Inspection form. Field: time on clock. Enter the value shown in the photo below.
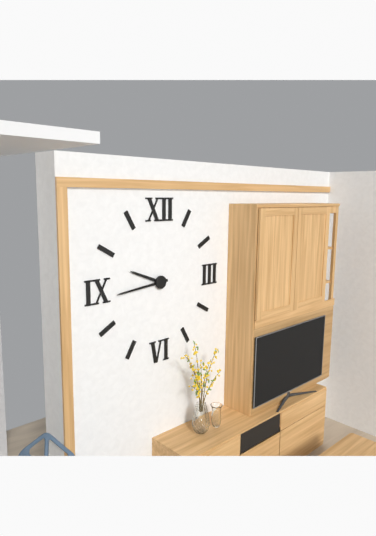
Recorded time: 9:44
